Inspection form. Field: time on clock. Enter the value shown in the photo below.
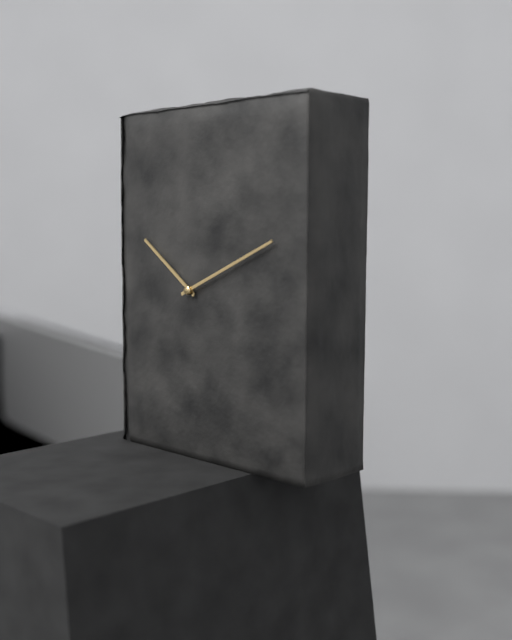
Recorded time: 10:11
